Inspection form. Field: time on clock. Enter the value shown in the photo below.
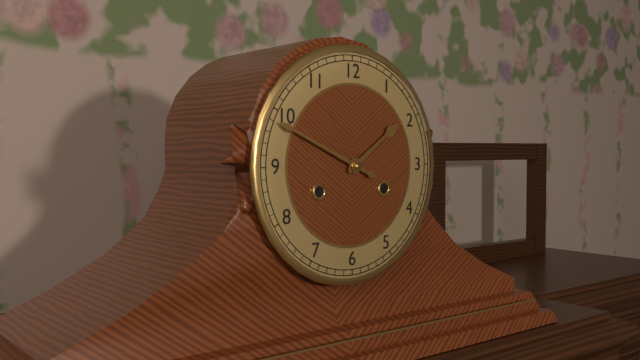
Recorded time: 1:49
